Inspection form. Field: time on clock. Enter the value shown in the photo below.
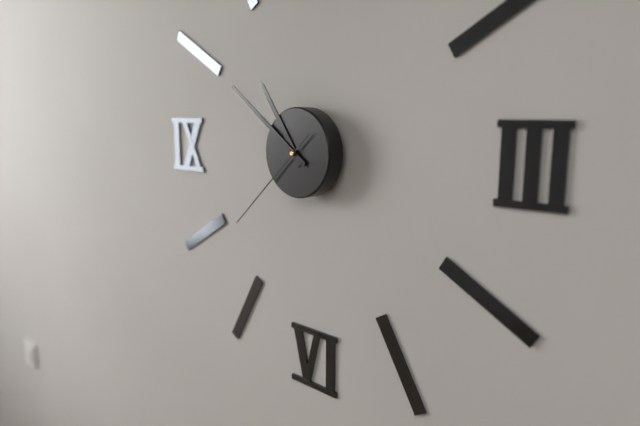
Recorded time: 10:51:38
